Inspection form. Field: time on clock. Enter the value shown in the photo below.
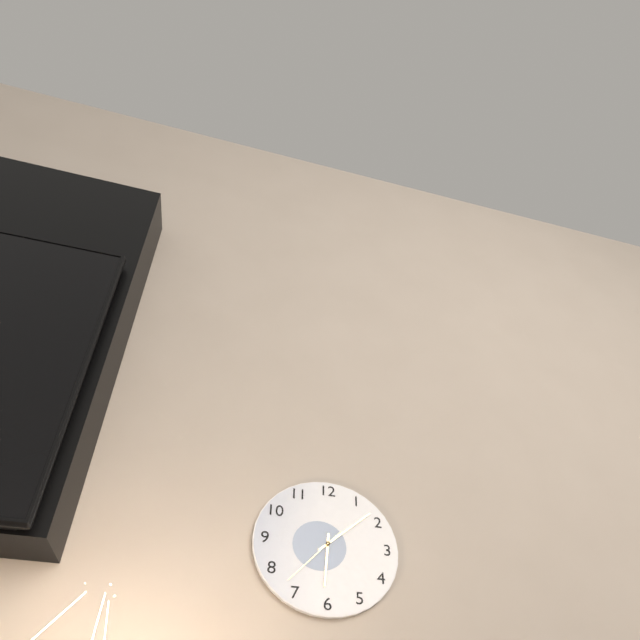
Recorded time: 6:08:37
